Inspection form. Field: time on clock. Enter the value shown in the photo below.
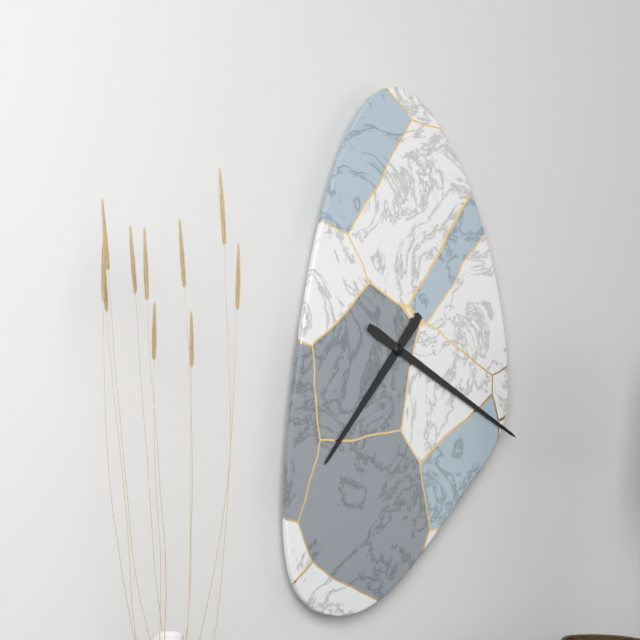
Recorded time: 7:20
